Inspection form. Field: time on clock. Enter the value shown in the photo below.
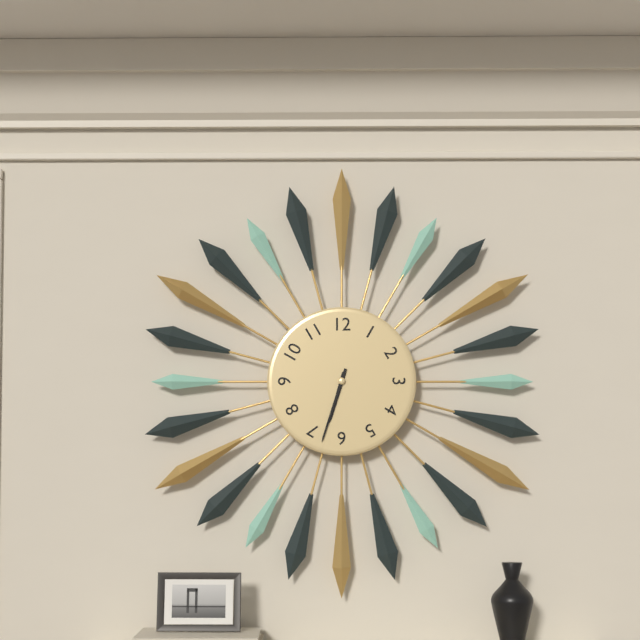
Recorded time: 6:33
